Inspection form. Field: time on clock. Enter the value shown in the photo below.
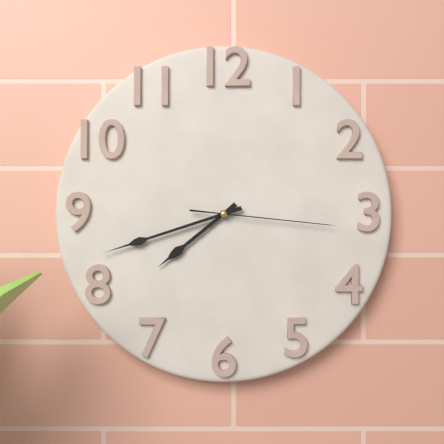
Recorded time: 7:42:16
